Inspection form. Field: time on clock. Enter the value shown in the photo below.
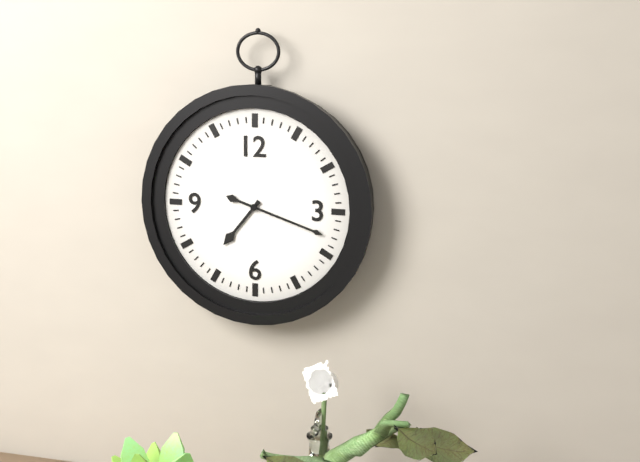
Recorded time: 7:18
